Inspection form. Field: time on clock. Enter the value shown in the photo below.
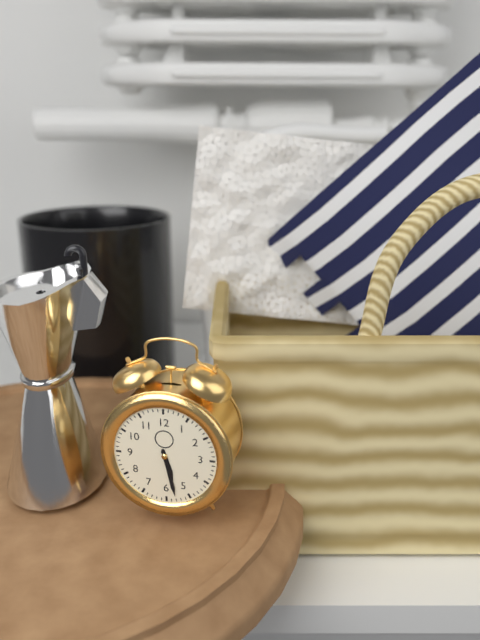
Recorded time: 5:28
